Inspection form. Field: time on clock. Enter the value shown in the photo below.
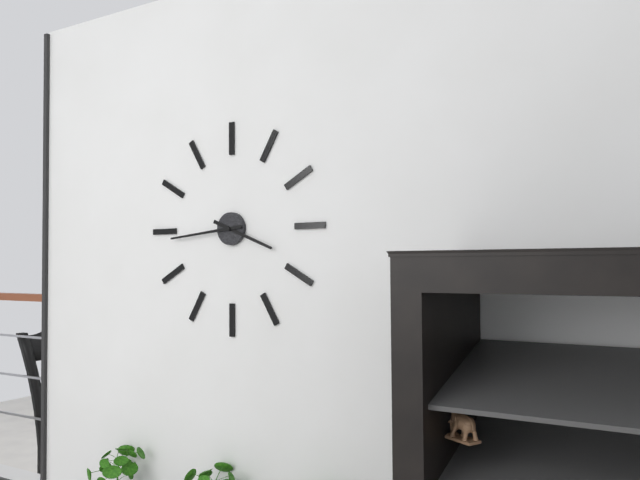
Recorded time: 3:44
